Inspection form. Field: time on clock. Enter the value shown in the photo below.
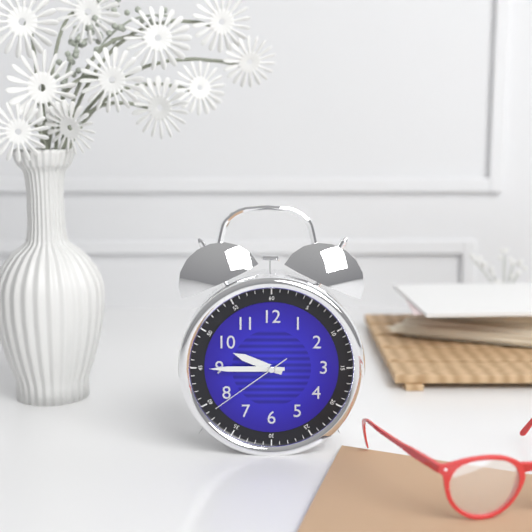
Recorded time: 9:45:39
